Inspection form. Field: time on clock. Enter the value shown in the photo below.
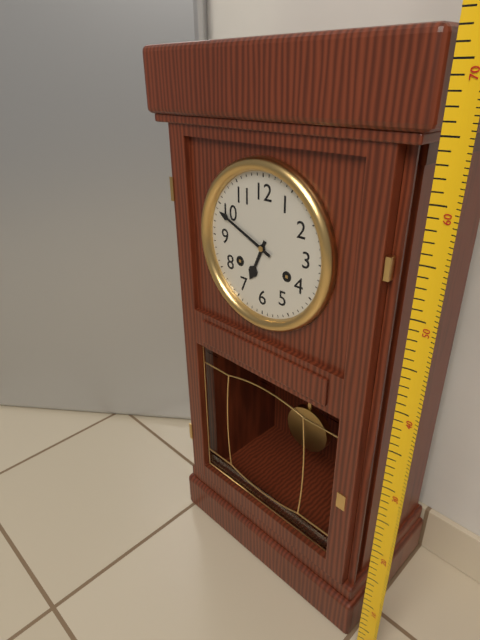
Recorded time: 6:49
